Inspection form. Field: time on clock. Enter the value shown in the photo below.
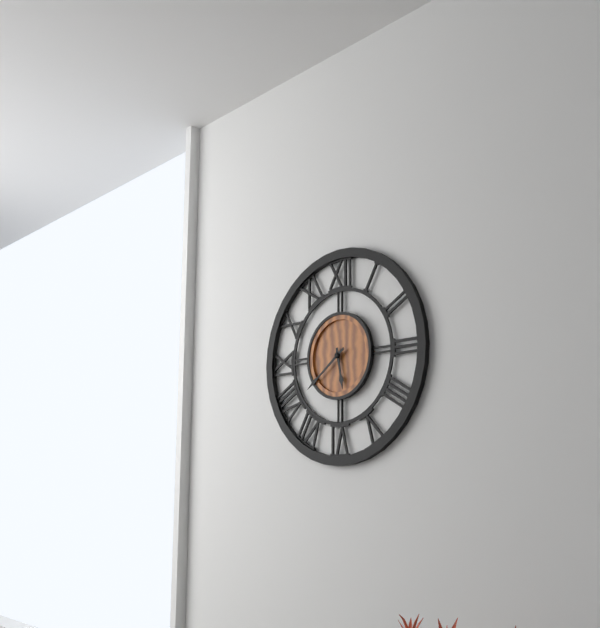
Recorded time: 5:39
